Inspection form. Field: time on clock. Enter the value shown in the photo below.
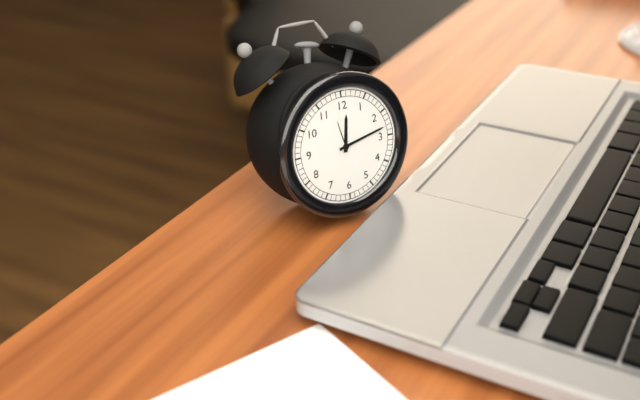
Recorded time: 12:13
